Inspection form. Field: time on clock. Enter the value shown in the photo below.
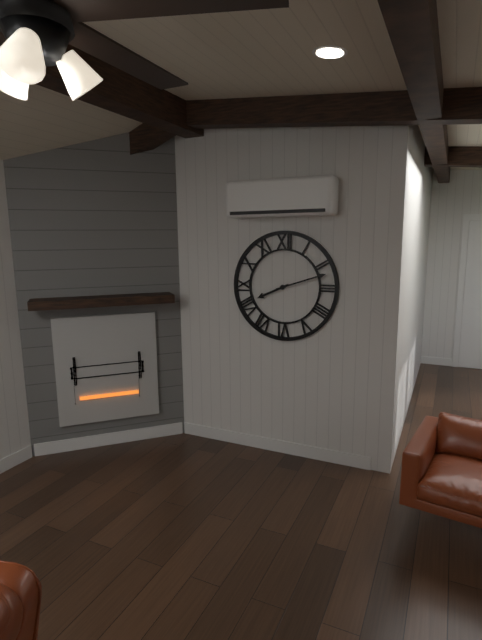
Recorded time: 8:12
